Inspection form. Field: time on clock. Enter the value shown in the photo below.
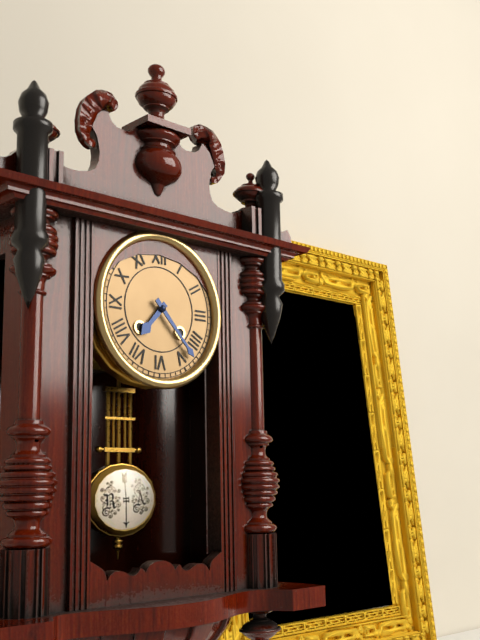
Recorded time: 7:23
